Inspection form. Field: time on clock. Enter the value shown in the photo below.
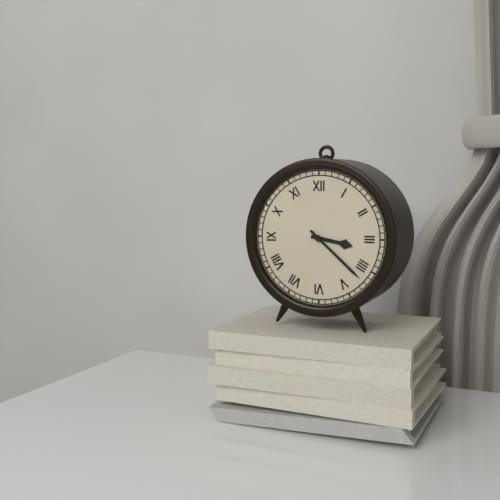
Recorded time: 3:22
